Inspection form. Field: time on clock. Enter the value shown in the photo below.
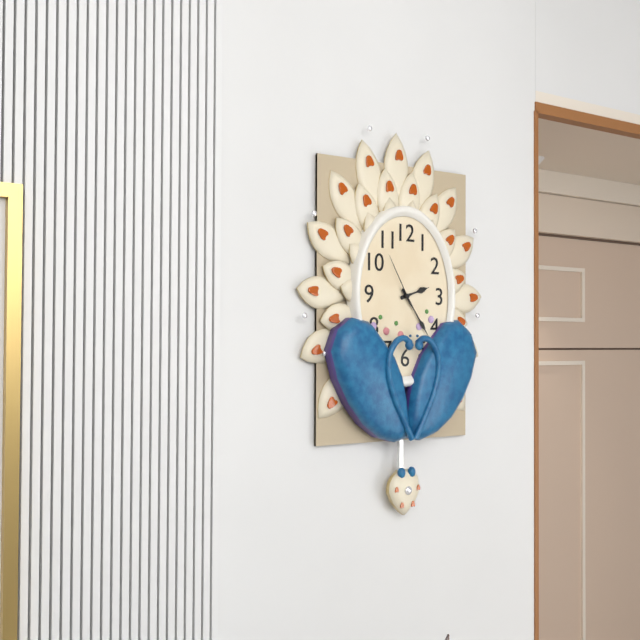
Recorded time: 2:24:55
